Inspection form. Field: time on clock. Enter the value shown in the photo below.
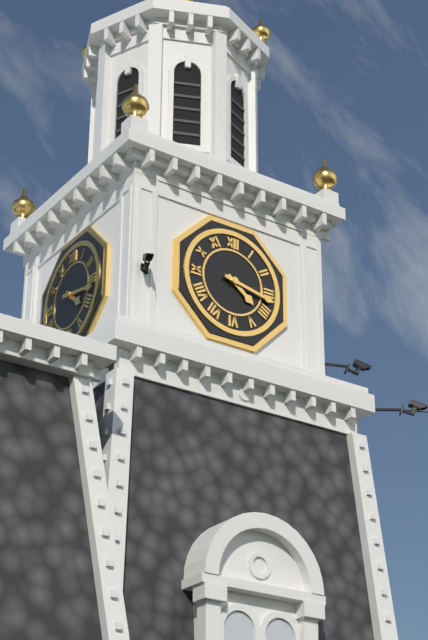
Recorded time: 4:17
